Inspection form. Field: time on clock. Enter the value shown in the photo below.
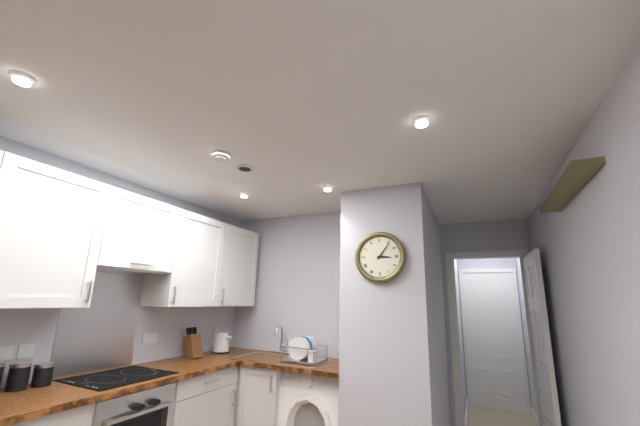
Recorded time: 3:06
